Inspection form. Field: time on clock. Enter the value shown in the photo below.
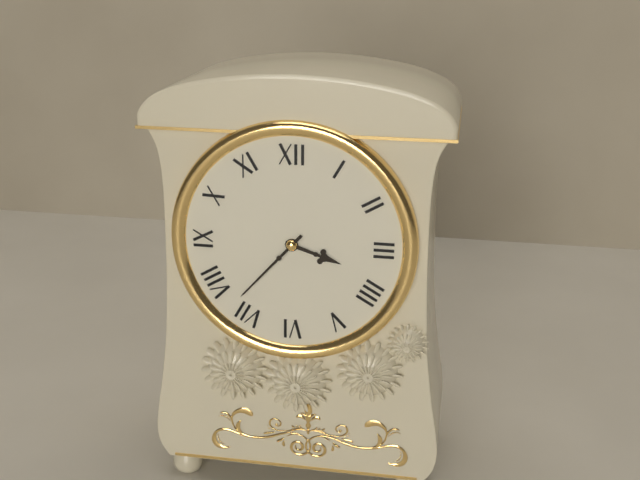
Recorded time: 3:37
